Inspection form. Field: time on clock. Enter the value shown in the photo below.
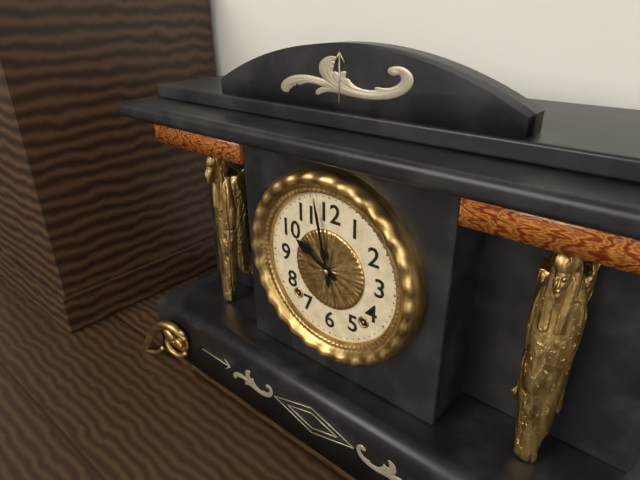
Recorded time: 9:58
